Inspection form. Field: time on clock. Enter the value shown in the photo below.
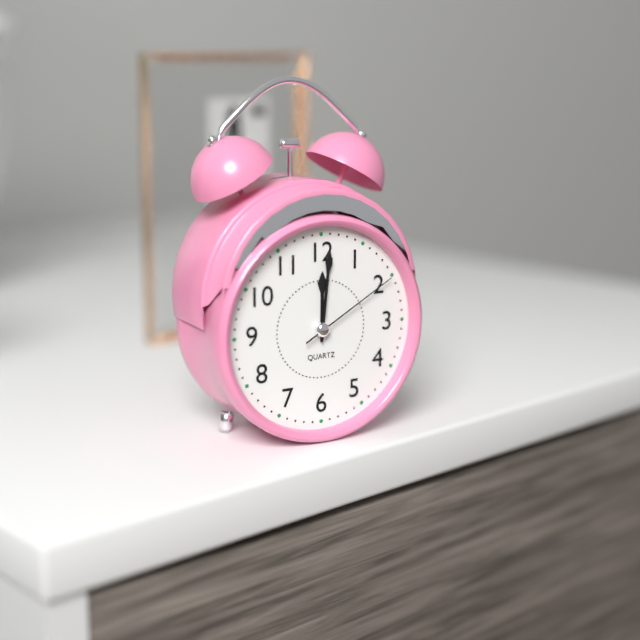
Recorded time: 12:01:10
